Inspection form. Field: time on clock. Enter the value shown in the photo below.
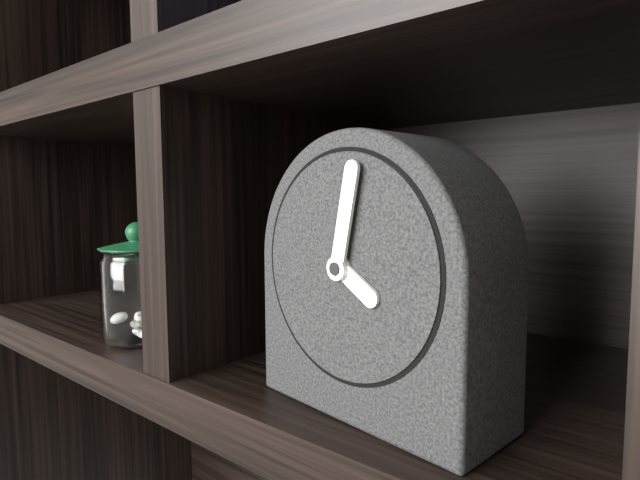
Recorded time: 4:02
